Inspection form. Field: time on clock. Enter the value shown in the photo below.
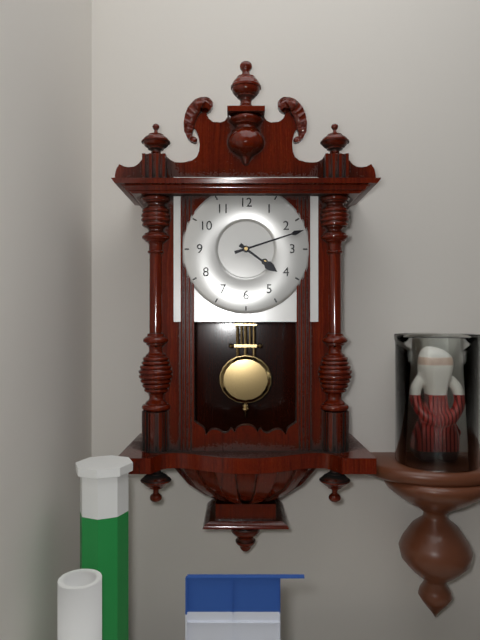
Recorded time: 4:12
